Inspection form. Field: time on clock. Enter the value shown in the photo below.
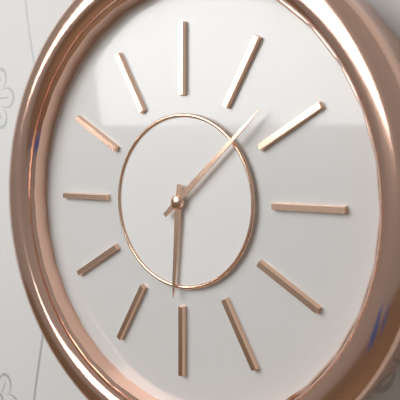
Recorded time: 6:08
